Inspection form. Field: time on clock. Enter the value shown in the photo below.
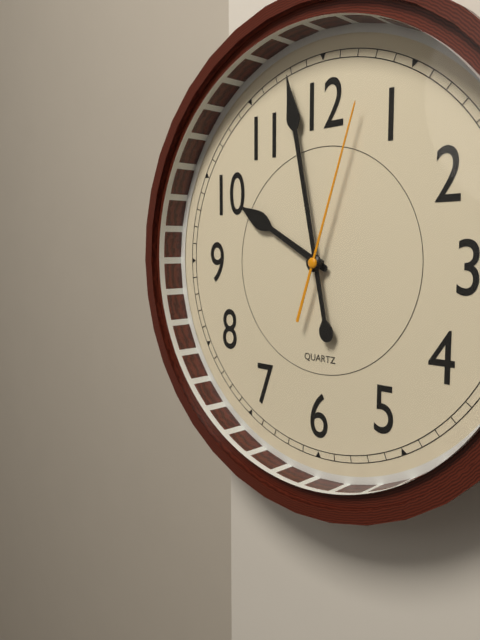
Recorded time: 9:58:03
